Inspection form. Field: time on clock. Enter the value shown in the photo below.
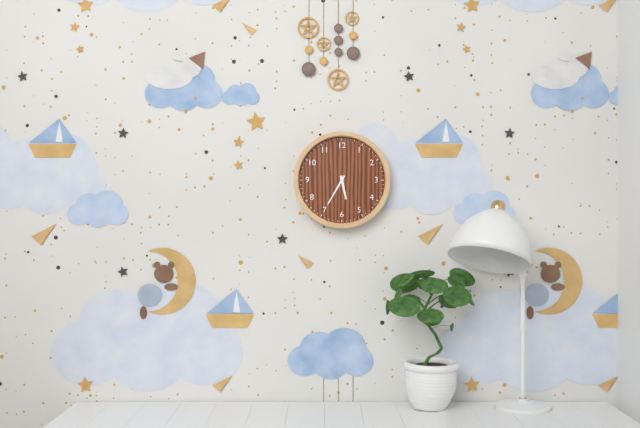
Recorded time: 5:35
